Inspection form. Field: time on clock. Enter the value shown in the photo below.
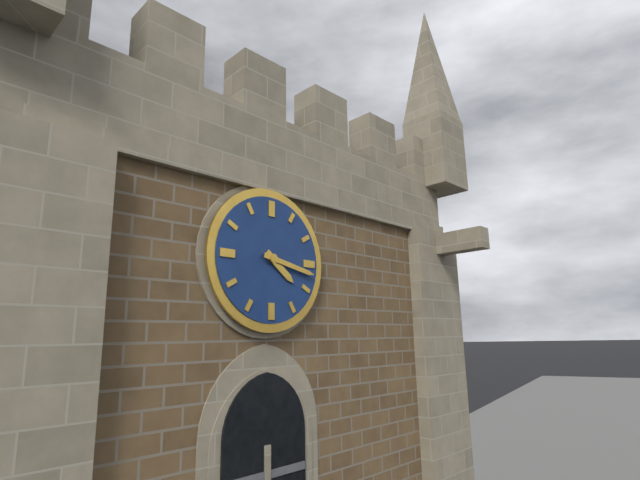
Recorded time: 4:17
